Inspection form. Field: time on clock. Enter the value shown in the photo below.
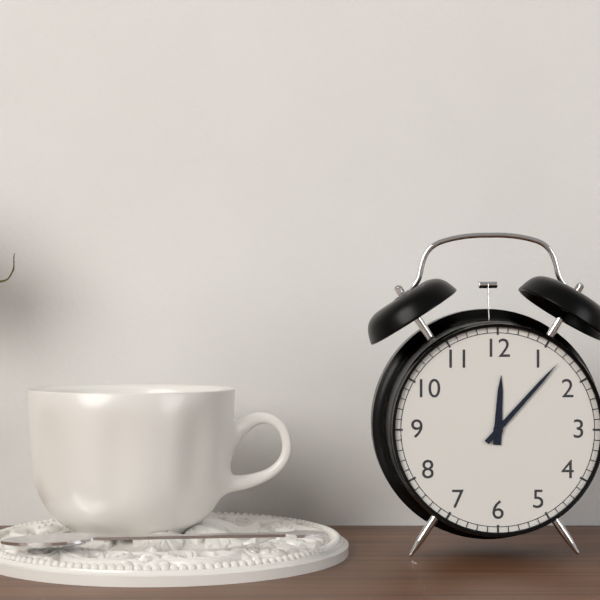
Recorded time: 12:07
